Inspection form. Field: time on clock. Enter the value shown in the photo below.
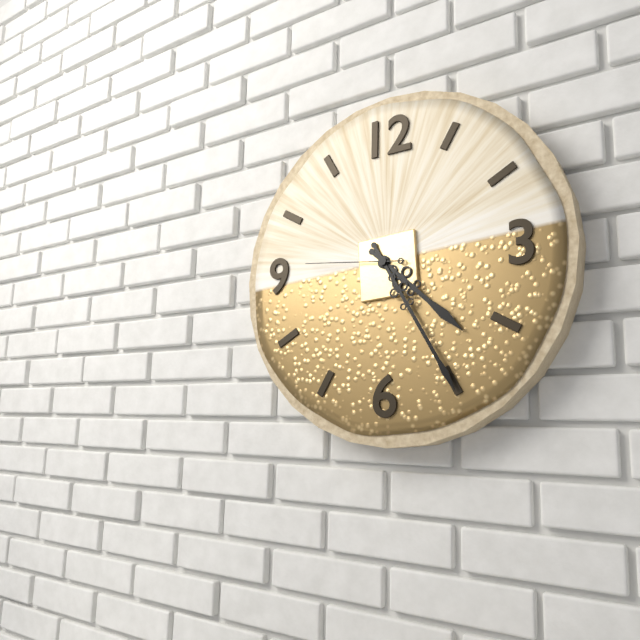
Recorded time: 4:25:46
